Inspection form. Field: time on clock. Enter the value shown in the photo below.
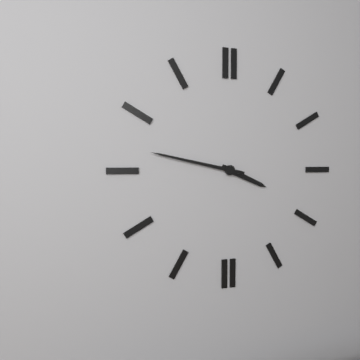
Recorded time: 3:47
